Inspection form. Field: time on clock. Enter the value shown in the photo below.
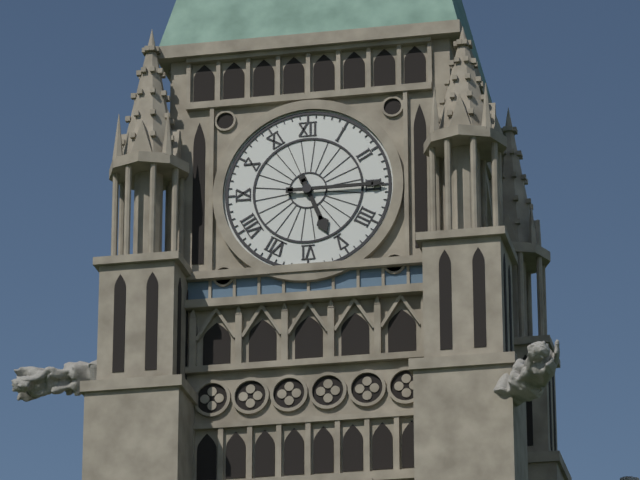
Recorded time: 5:15
